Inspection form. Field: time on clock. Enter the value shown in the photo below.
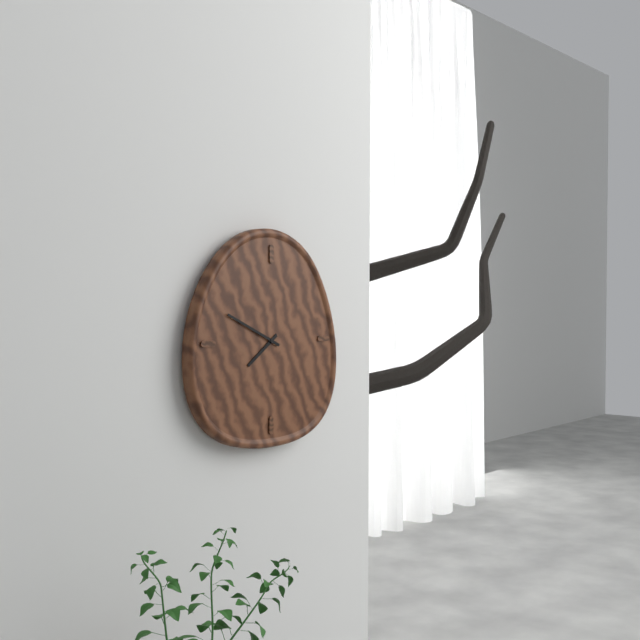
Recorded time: 7:49
